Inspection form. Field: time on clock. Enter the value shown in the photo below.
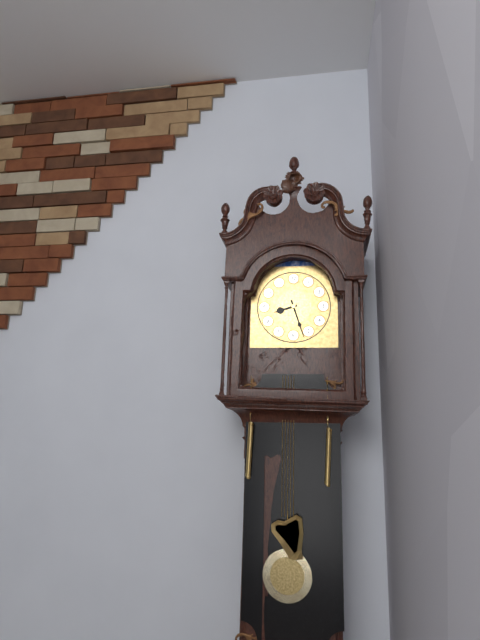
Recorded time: 8:27
